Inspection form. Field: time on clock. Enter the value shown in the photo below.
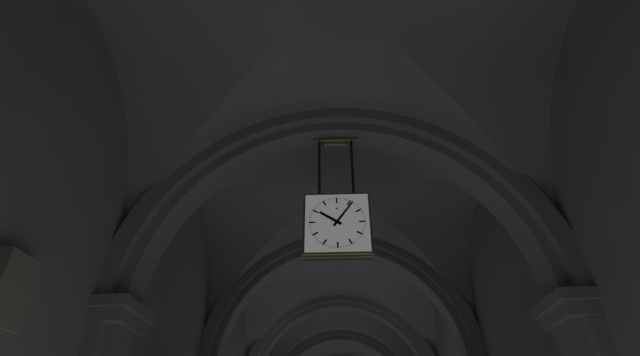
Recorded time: 10:06
